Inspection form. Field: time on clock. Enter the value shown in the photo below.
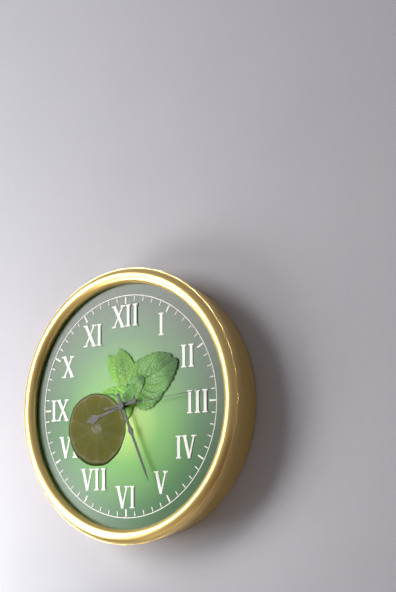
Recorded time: 8:26:14
